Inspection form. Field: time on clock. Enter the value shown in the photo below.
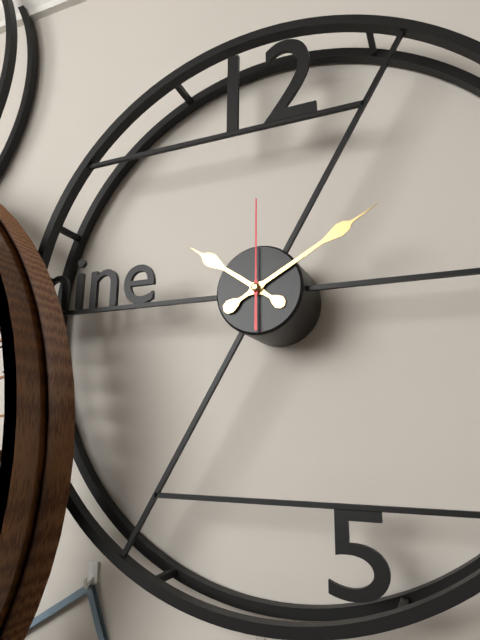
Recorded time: 10:10:00
